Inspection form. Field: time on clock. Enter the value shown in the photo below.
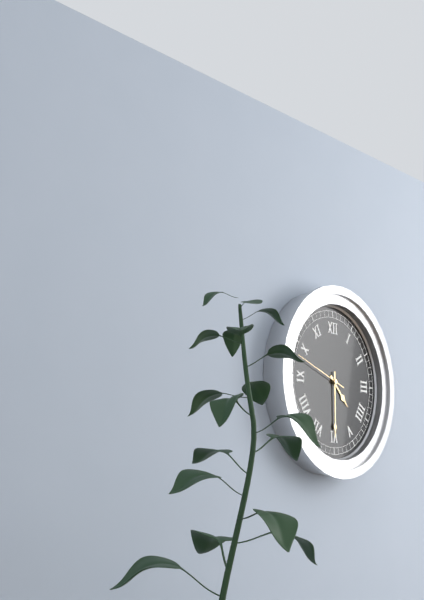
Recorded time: 4:30:48
